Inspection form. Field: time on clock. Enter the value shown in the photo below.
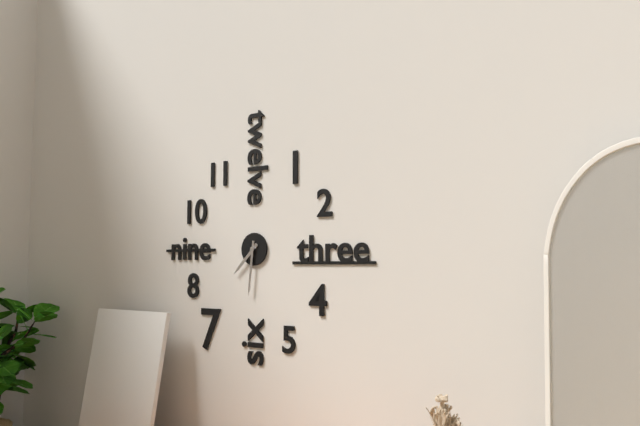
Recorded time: 7:31
